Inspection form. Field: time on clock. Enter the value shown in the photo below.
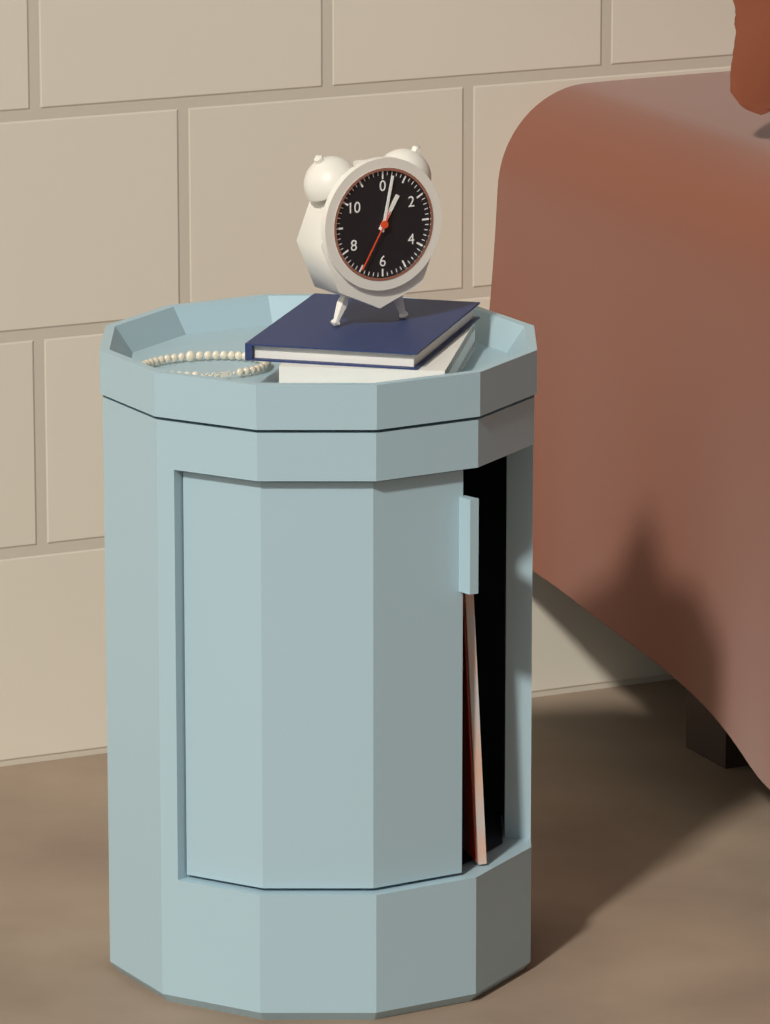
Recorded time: 1:02:35
